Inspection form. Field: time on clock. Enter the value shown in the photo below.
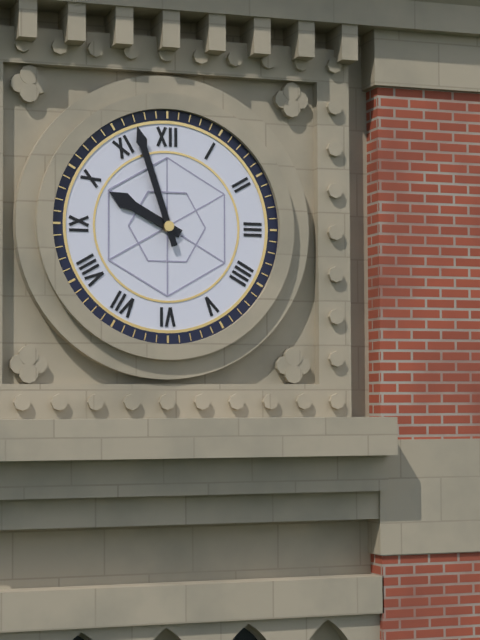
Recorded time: 9:57
